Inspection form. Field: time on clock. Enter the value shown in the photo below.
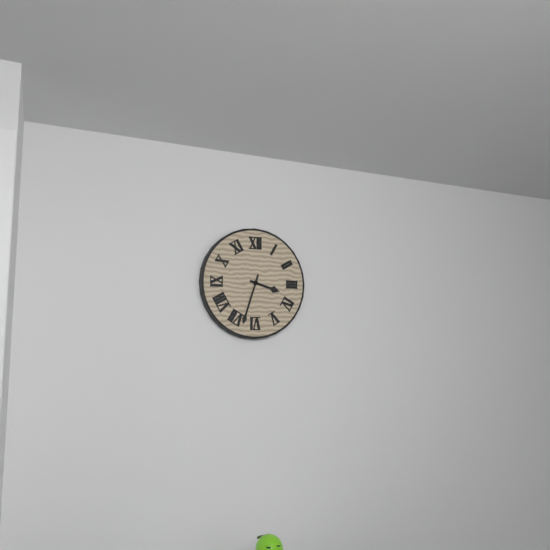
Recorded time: 3:33
